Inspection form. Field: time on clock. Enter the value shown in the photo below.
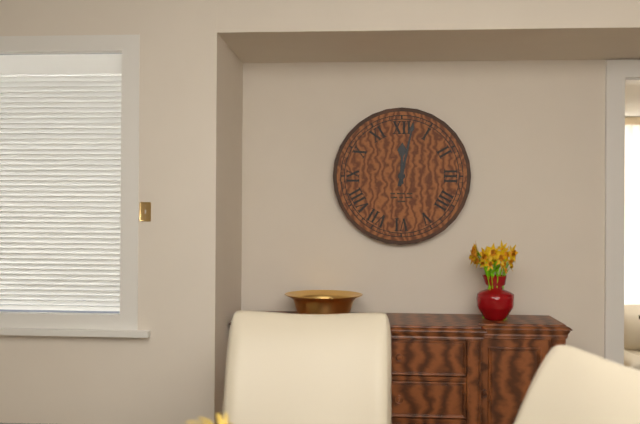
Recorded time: 12:02
